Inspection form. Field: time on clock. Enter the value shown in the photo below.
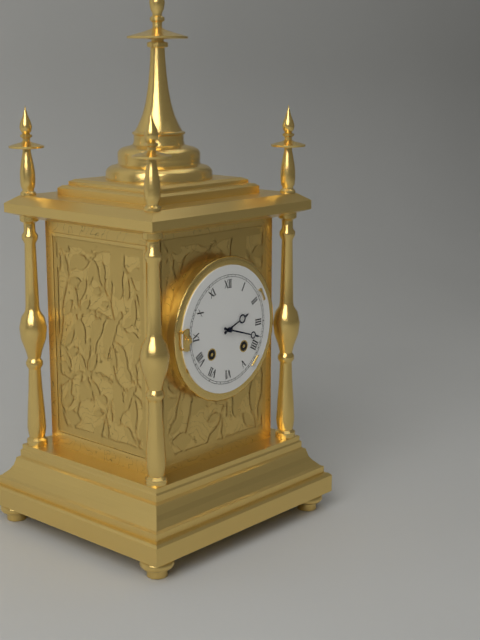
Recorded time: 2:18
